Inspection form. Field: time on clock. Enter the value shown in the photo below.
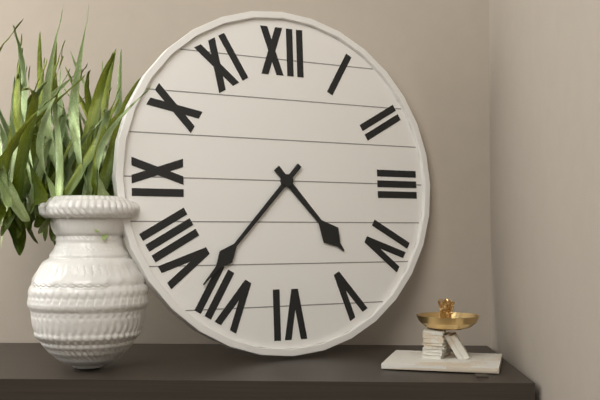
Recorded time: 4:37
